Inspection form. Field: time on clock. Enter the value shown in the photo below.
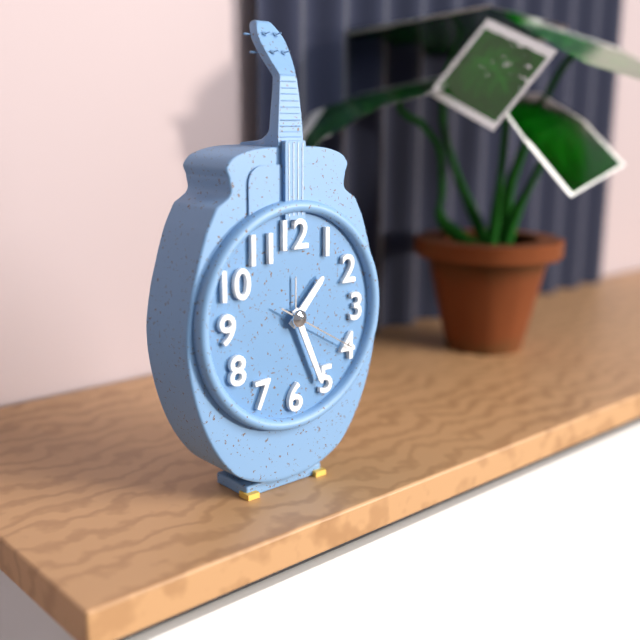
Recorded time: 1:26:20
